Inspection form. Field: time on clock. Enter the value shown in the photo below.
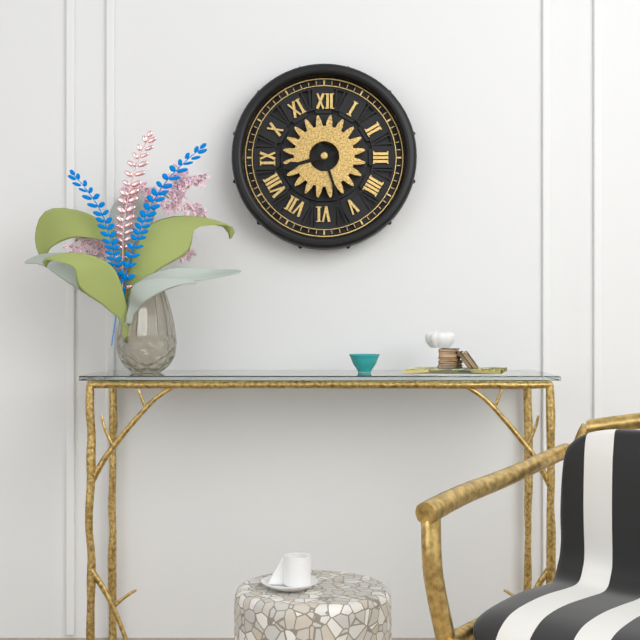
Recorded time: 8:27
